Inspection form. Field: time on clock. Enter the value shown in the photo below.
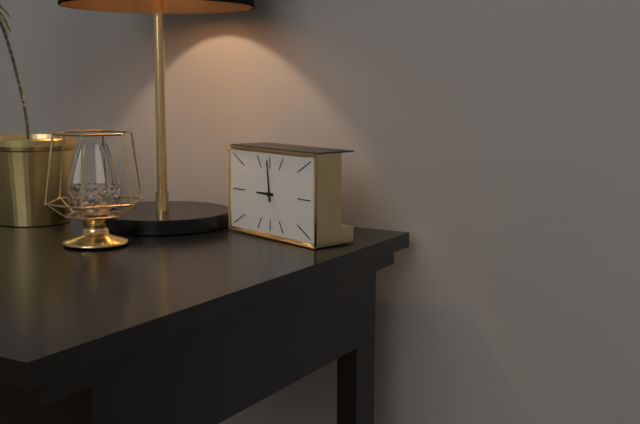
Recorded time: 8:59
